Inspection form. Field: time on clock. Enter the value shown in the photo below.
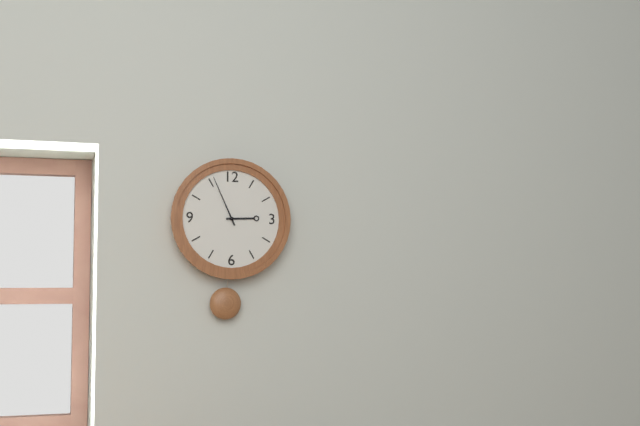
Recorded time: 2:56
